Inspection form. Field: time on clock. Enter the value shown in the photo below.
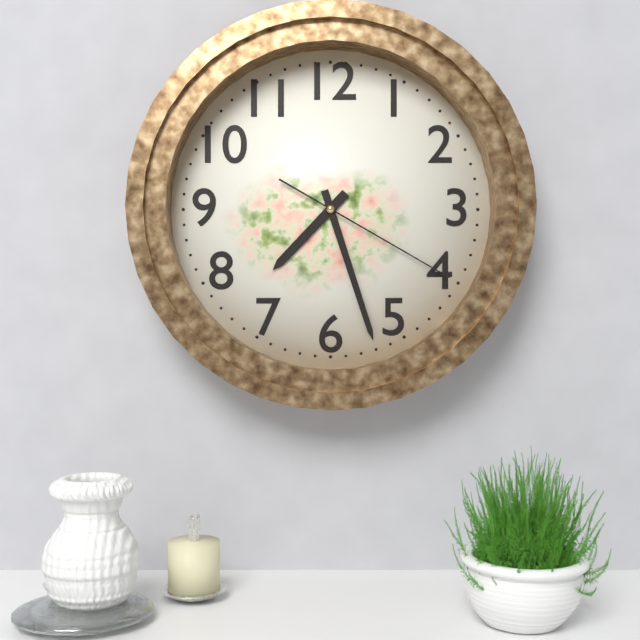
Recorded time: 7:27:20
